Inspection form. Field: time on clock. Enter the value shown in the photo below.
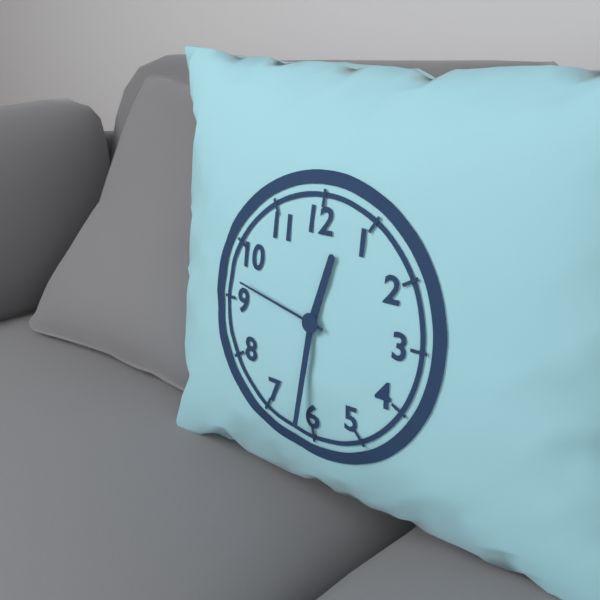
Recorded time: 12:31:47
